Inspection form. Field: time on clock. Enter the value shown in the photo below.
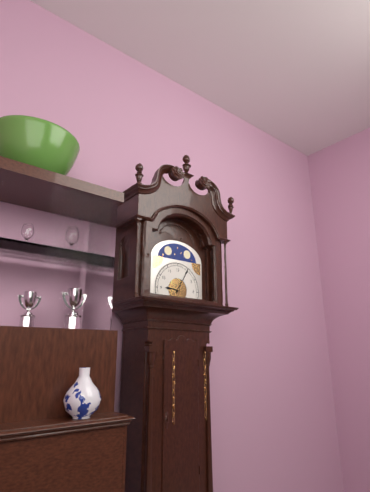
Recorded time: 9:05
